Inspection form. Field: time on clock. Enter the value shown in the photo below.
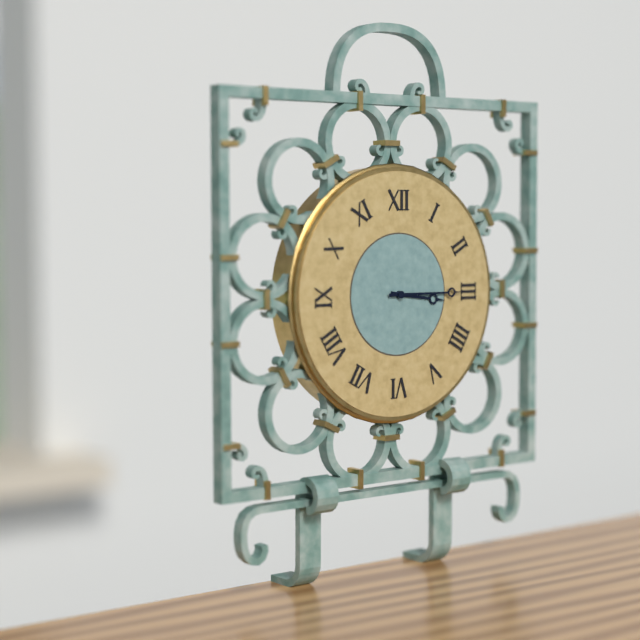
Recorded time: 3:15
